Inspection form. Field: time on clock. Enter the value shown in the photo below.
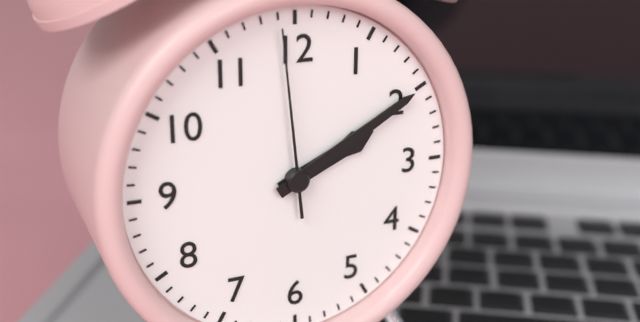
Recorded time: 2:10:59
